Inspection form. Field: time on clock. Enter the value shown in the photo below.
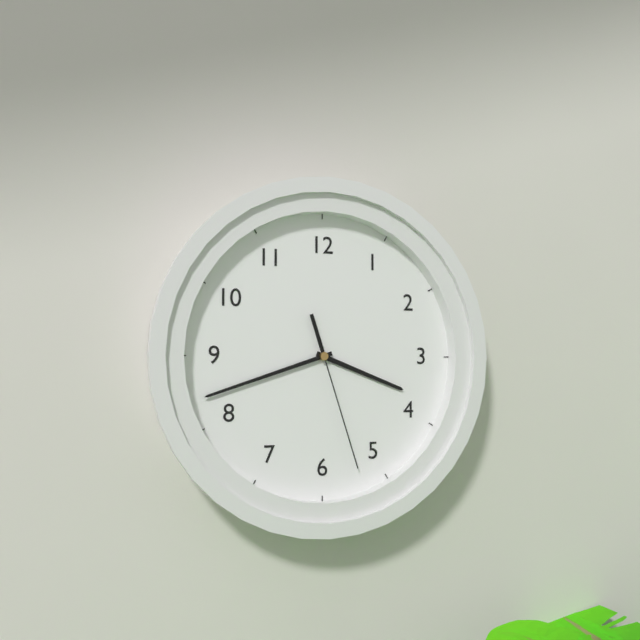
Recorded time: 3:42:27
